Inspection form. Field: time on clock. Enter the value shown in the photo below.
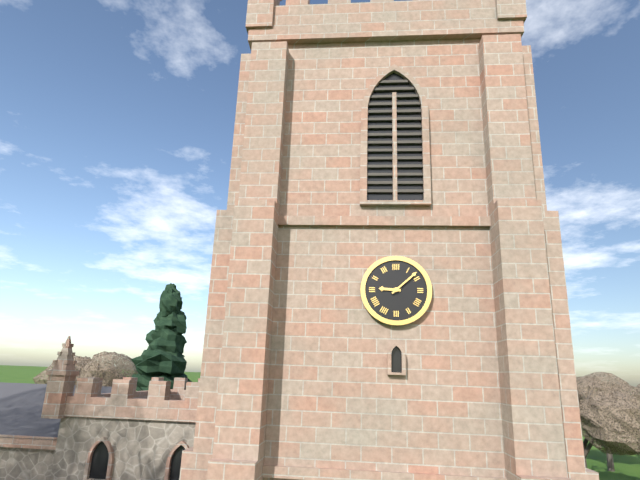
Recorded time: 9:08
